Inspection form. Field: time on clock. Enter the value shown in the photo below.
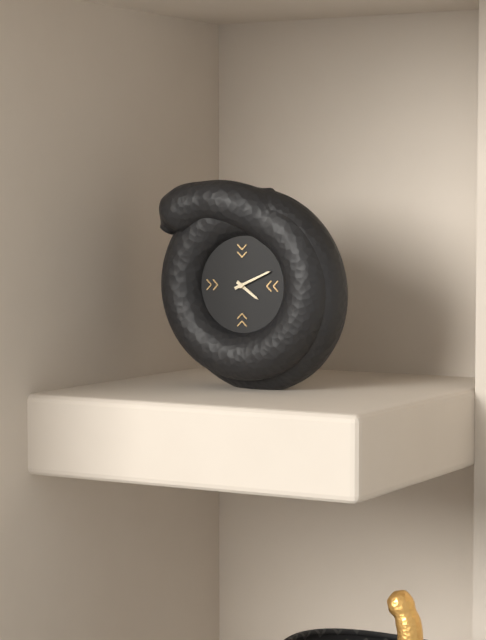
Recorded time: 4:11
